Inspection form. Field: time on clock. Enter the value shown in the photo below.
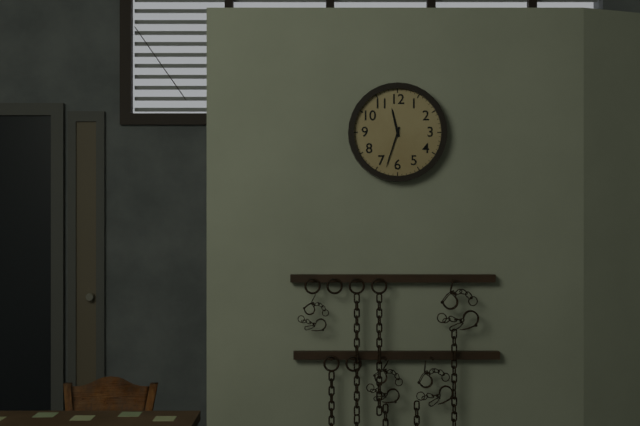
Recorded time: 11:33
